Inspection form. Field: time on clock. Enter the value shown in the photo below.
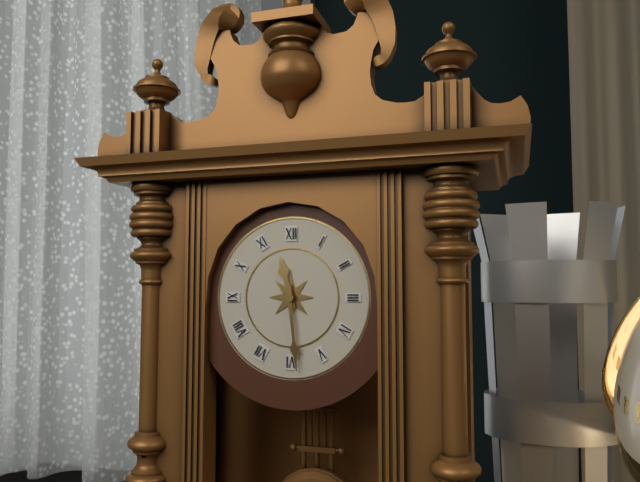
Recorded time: 11:29
